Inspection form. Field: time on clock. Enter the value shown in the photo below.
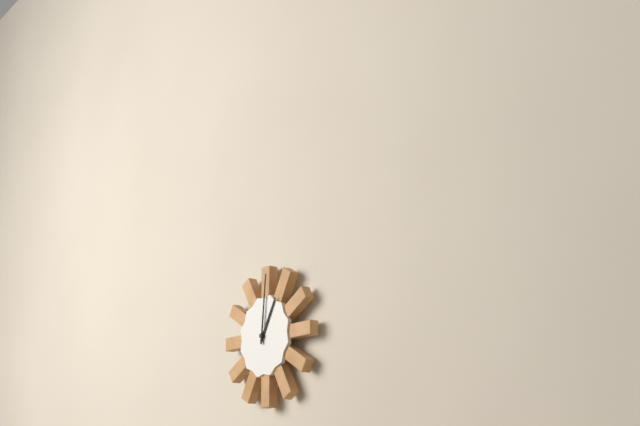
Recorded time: 1:01
